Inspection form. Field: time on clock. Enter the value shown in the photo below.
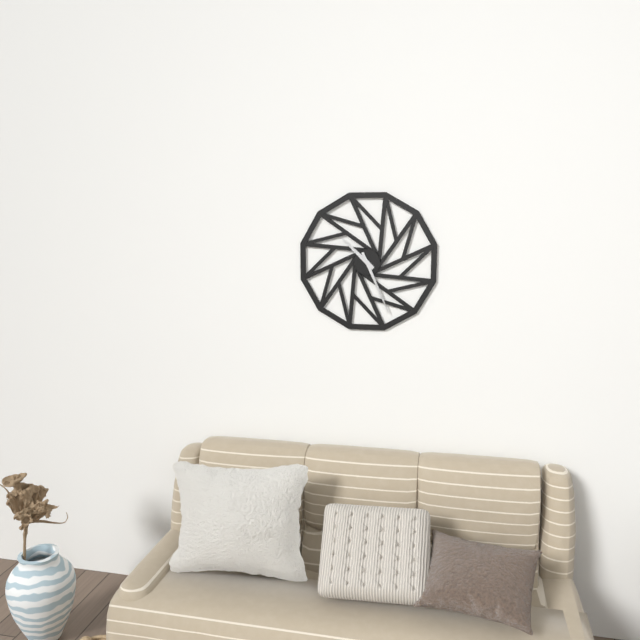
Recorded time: 10:26
